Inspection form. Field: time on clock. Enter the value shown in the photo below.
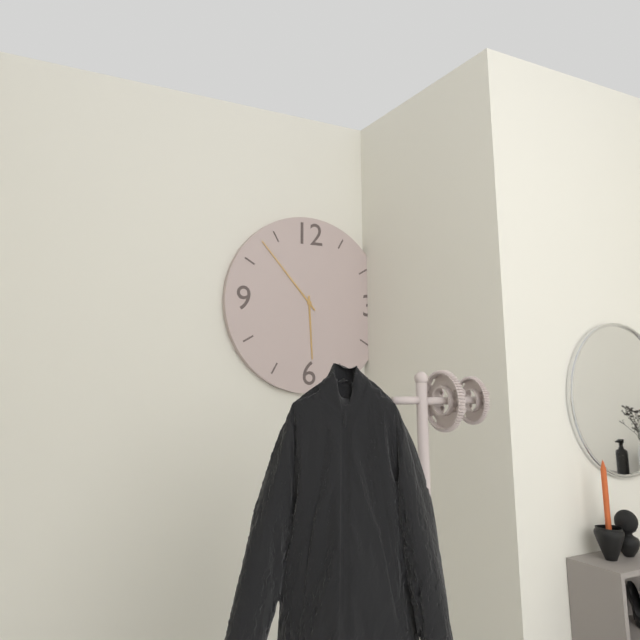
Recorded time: 5:53
